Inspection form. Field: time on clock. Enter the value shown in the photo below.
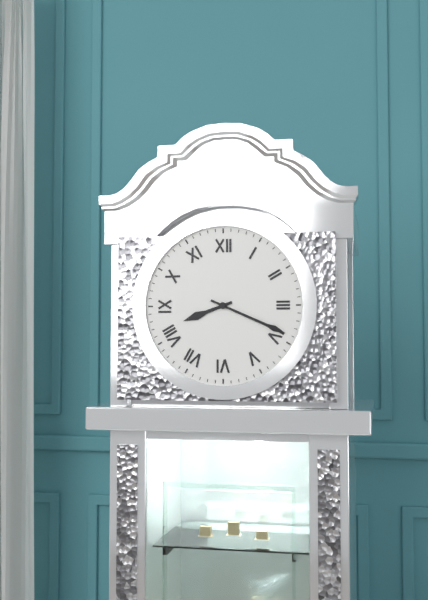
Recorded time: 8:19
